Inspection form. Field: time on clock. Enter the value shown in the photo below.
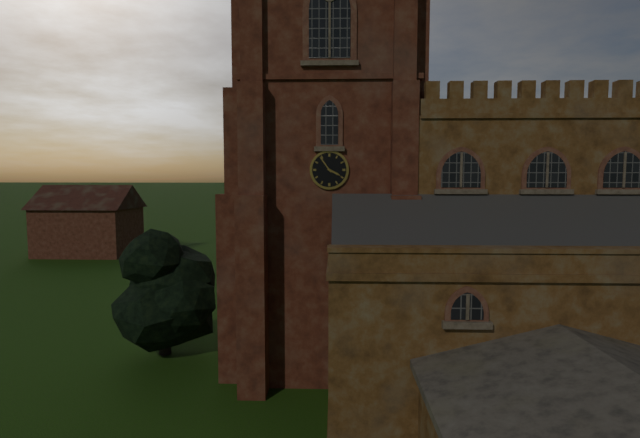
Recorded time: 3:54
